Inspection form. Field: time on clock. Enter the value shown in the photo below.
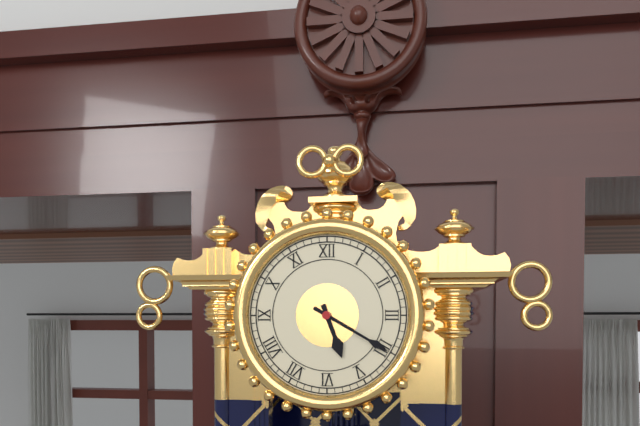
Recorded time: 5:20
